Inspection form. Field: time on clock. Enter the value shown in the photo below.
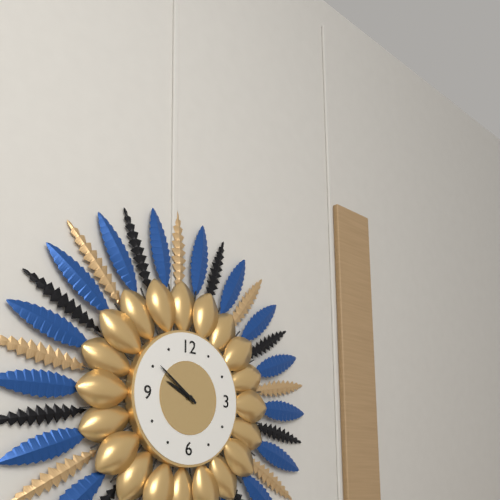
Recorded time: 9:51
